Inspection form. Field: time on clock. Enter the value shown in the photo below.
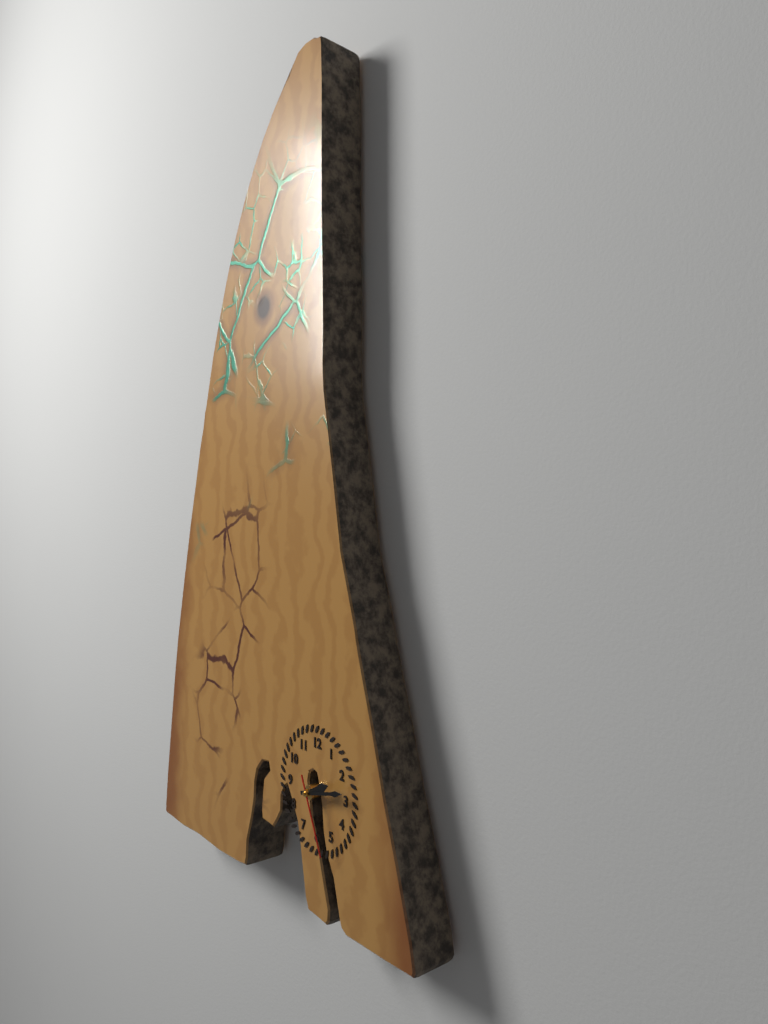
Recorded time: 2:13:26
